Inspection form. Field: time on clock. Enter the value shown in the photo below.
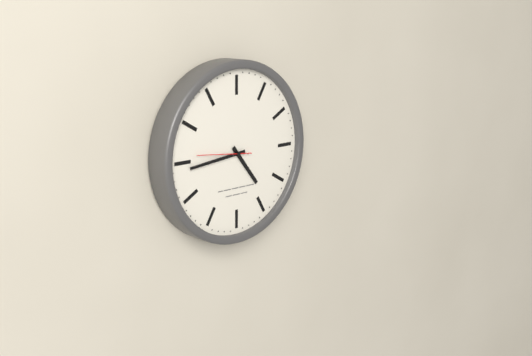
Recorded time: 4:44:46
